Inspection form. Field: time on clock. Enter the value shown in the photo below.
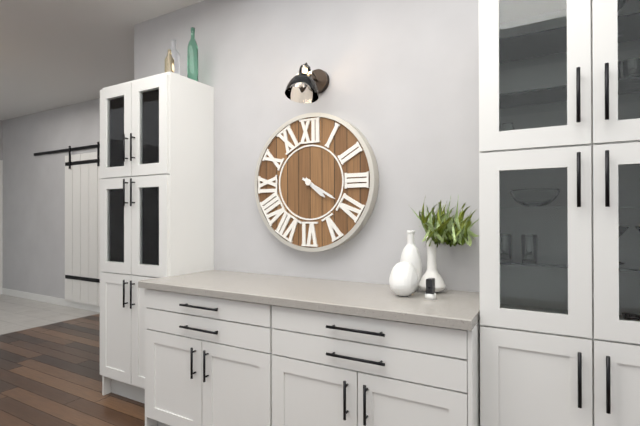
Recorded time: 4:20
